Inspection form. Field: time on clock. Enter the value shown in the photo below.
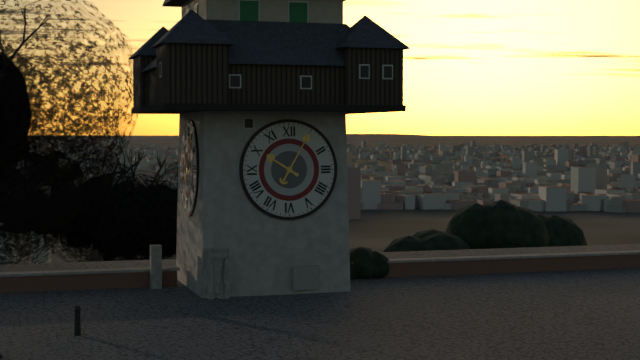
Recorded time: 10:05
